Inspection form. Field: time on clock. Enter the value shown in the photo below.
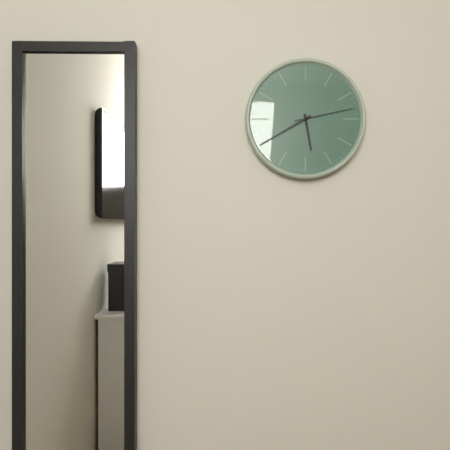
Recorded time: 5:40:13
